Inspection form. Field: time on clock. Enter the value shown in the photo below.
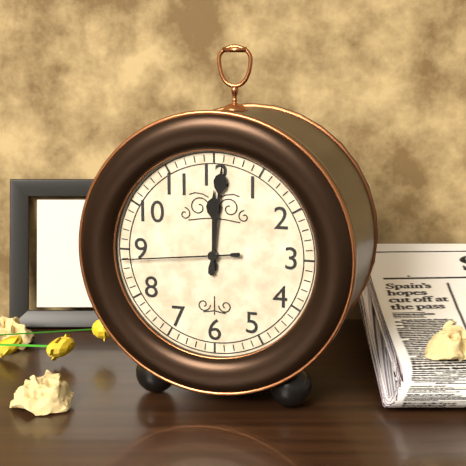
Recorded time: 12:01:44
